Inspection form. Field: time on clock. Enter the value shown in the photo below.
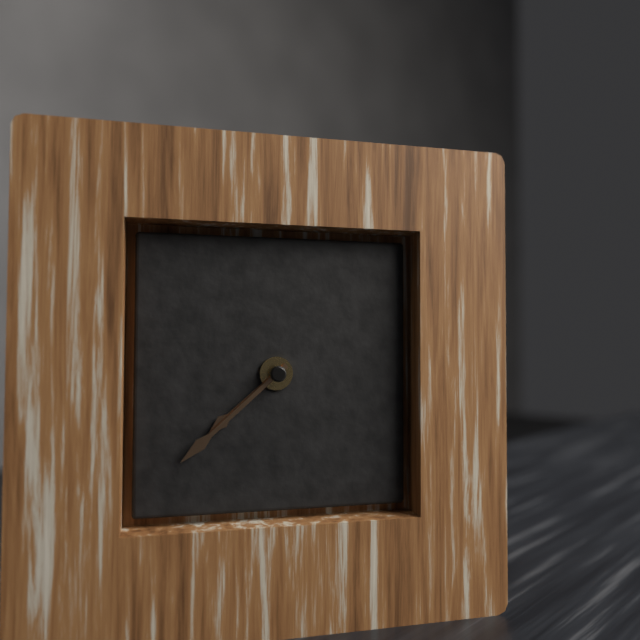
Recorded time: 7:38
